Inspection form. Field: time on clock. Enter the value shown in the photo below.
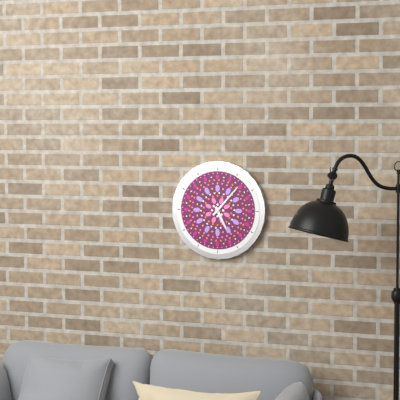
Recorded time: 5:07
